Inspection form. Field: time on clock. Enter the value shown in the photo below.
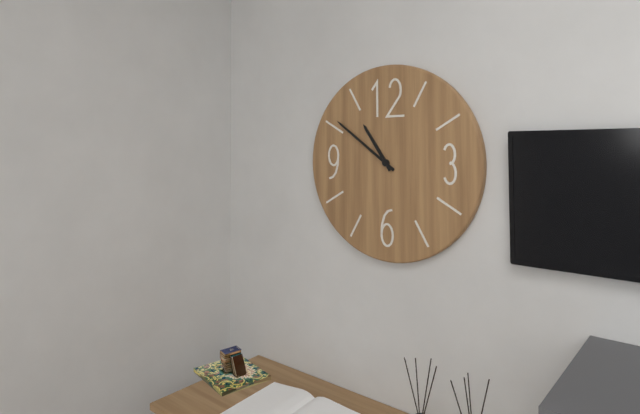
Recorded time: 10:51
